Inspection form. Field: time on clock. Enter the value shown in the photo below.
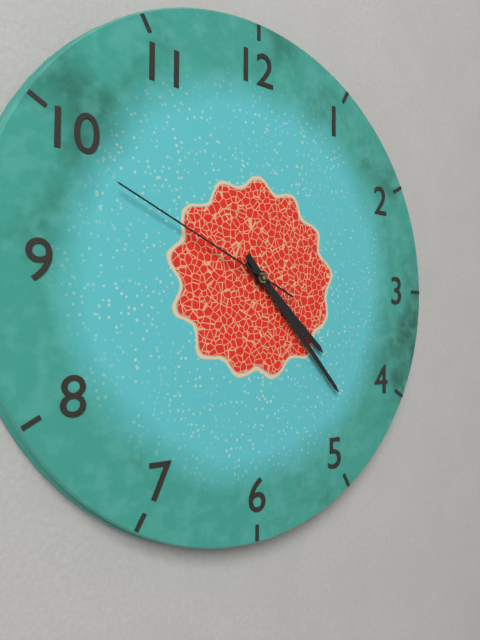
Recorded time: 4:23:49
